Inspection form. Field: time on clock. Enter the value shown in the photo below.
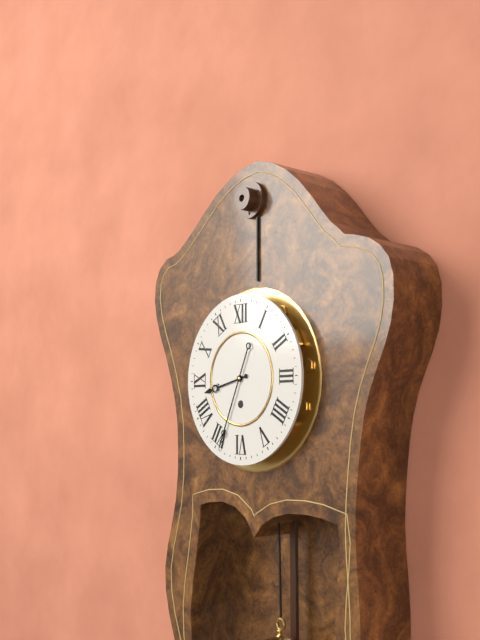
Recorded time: 8:34
